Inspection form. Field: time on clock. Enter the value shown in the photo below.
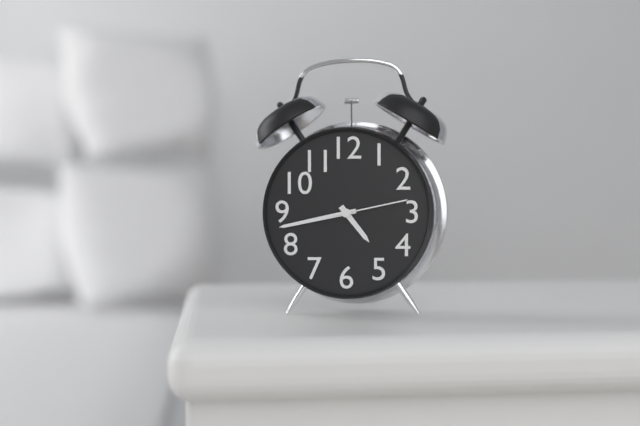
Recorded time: 4:43:13
